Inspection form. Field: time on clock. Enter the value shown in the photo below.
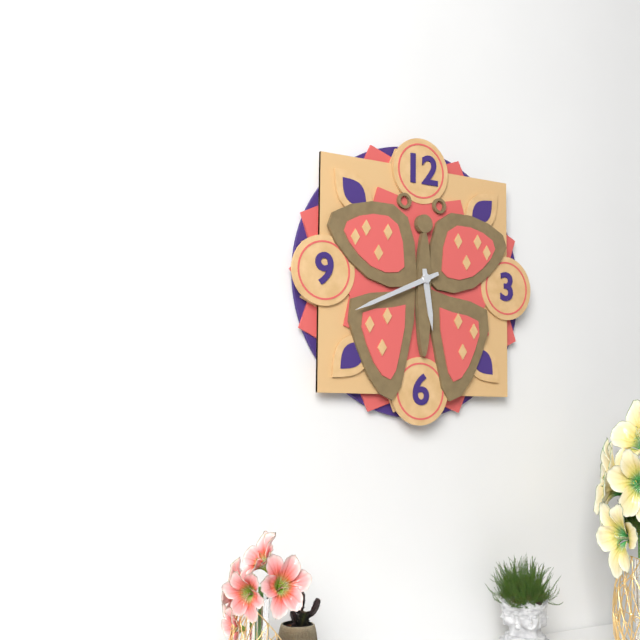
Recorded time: 5:41
